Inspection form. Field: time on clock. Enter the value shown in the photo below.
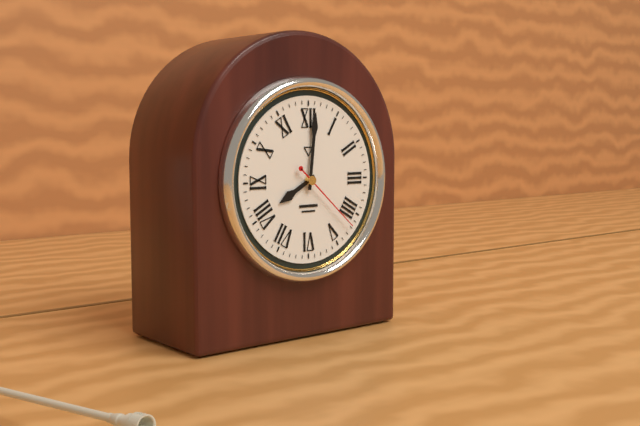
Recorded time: 8:01:22
